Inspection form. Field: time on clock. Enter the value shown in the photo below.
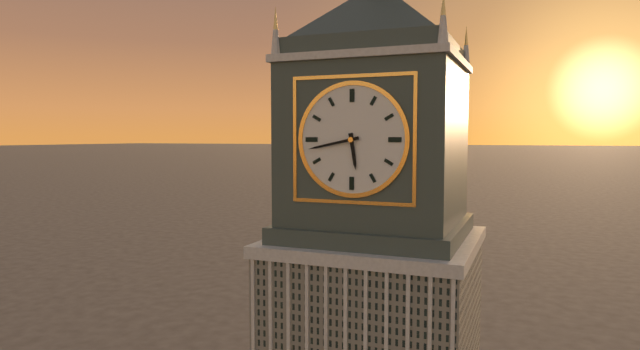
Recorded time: 5:43
